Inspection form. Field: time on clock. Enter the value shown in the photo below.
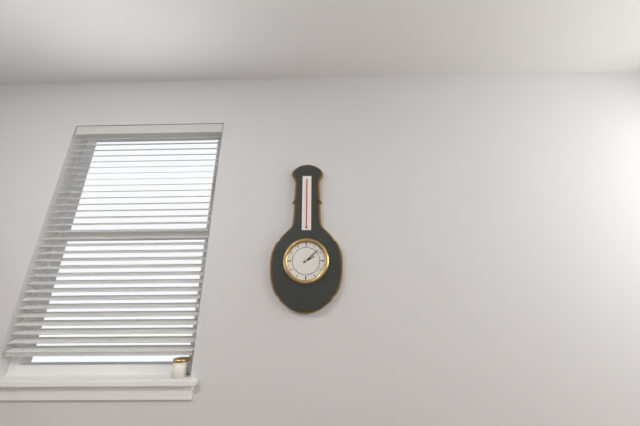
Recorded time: 2:08
